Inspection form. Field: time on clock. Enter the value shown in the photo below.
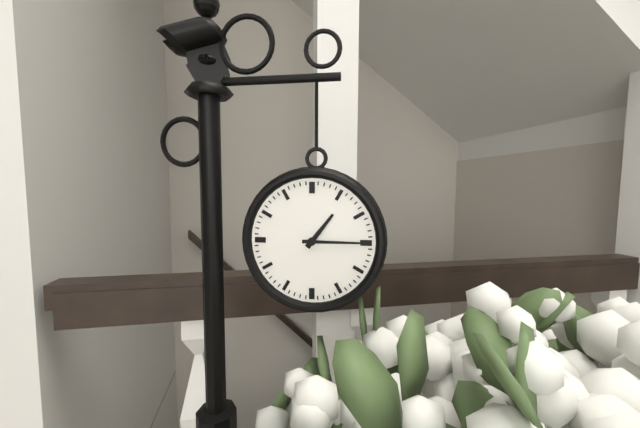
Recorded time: 1:15
